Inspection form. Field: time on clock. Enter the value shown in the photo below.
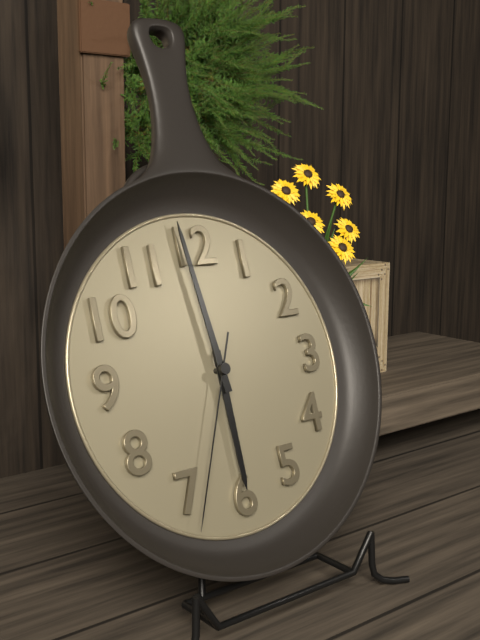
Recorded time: 5:59:34
